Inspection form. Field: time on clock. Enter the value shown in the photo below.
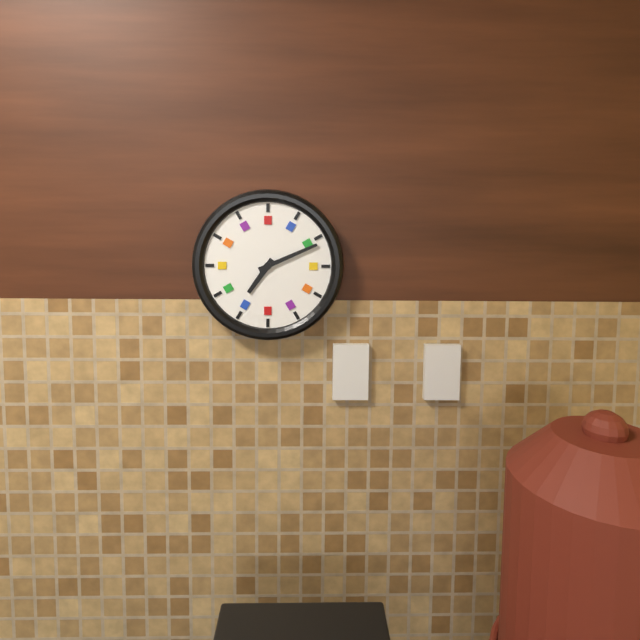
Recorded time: 7:11
